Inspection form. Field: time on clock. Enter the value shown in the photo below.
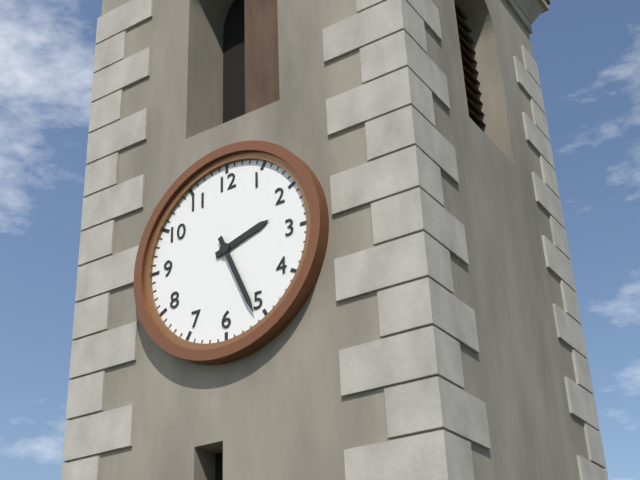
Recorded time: 2:26
